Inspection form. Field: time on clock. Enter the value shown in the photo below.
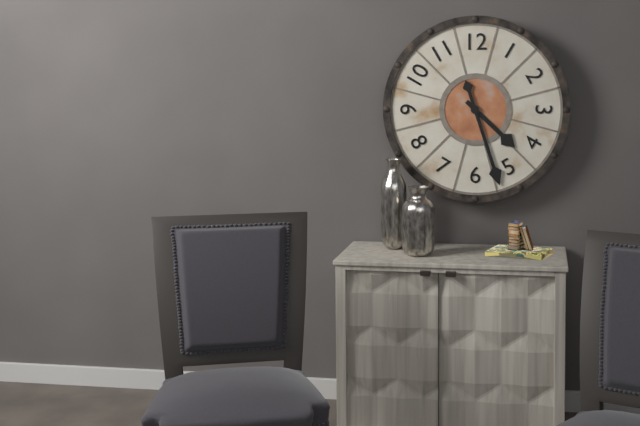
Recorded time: 4:27
